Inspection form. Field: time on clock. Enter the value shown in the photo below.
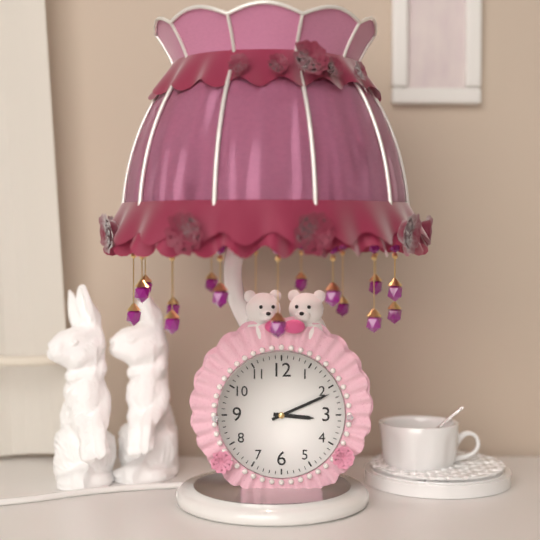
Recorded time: 3:11
